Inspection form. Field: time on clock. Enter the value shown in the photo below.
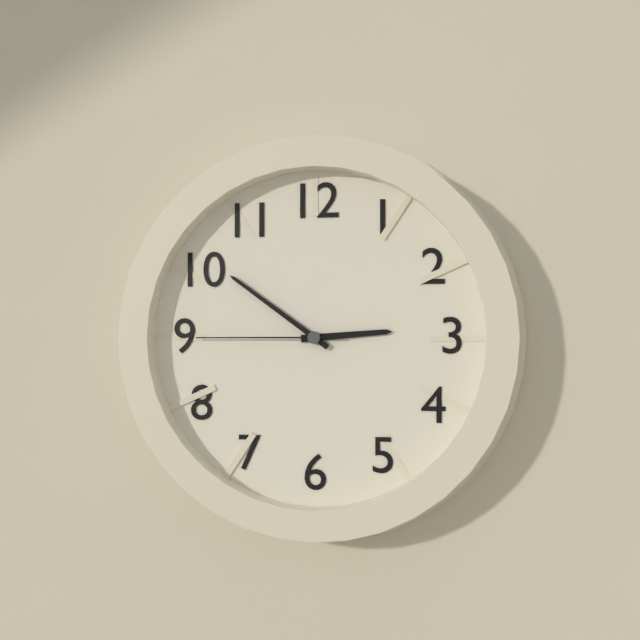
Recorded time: 2:51:45
